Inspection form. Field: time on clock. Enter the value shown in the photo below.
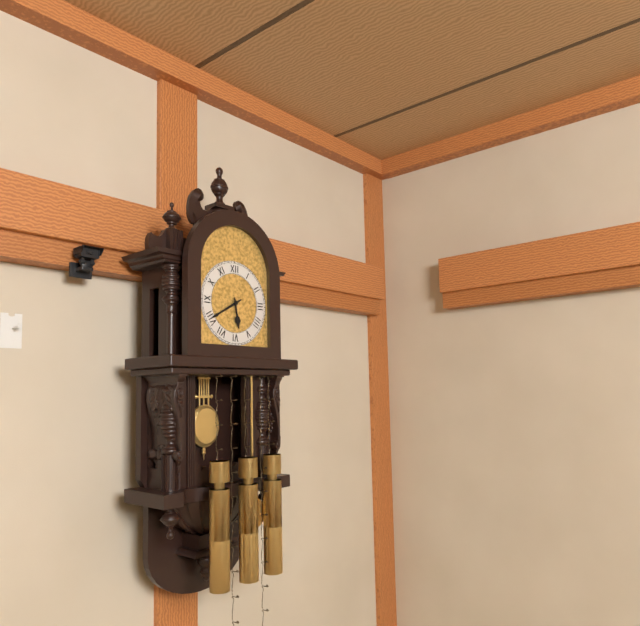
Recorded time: 5:40
